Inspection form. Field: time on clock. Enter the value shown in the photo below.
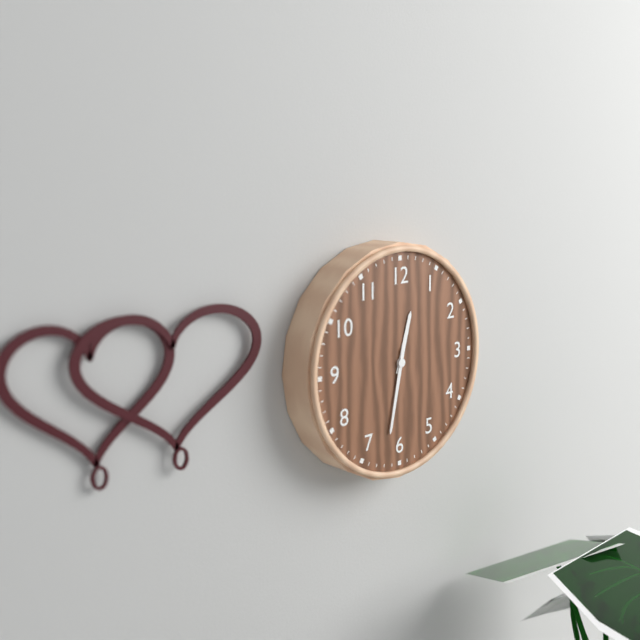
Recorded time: 12:32
